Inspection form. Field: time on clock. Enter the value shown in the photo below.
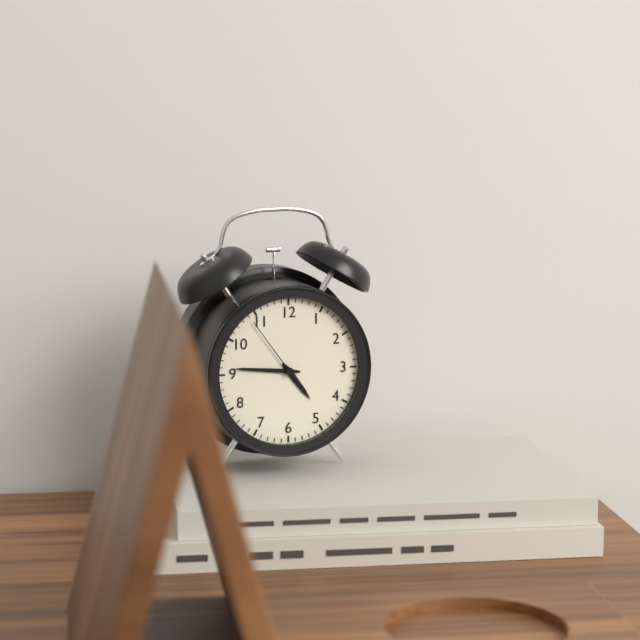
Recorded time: 4:46:54
